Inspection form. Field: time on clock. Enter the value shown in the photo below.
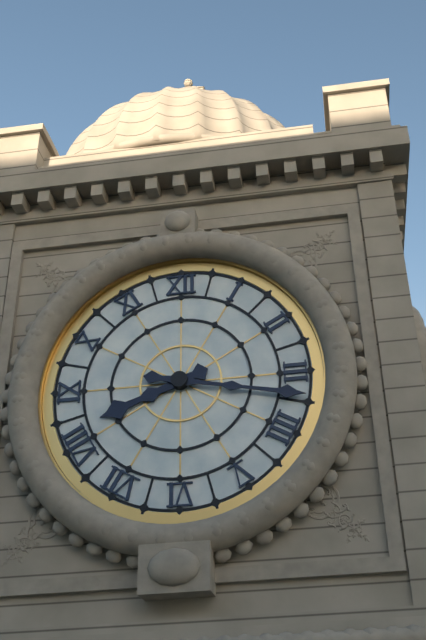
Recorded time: 8:17
